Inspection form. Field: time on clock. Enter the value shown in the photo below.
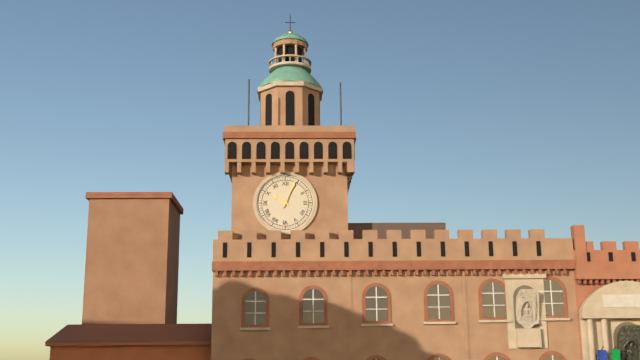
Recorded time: 10:04
